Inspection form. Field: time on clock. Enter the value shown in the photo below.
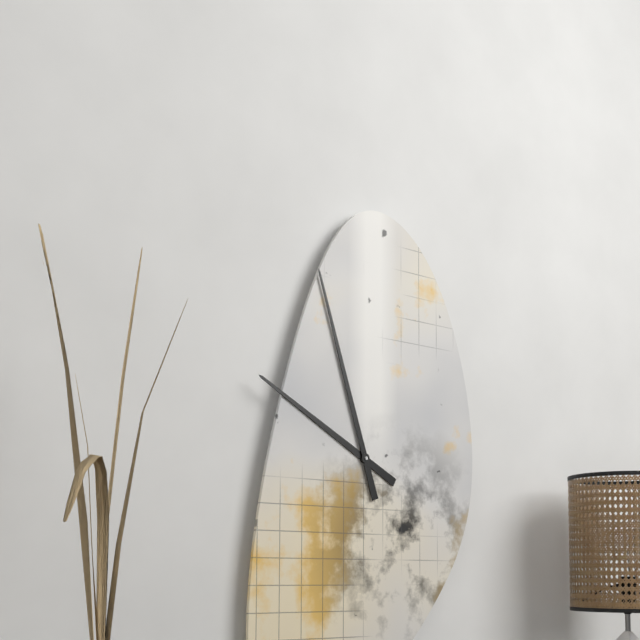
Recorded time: 9:57
